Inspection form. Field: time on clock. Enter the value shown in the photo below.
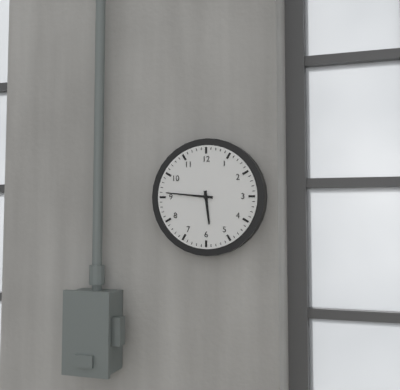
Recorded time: 5:46
